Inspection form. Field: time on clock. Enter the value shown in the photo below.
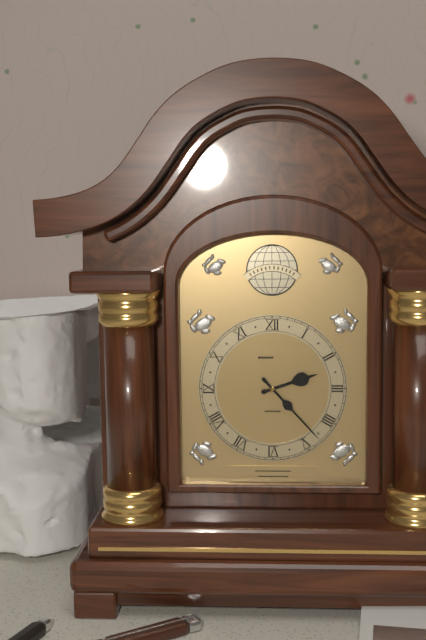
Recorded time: 2:23
